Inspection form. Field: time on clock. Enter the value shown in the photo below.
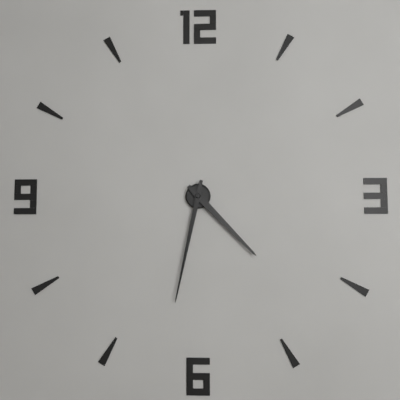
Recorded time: 4:32
